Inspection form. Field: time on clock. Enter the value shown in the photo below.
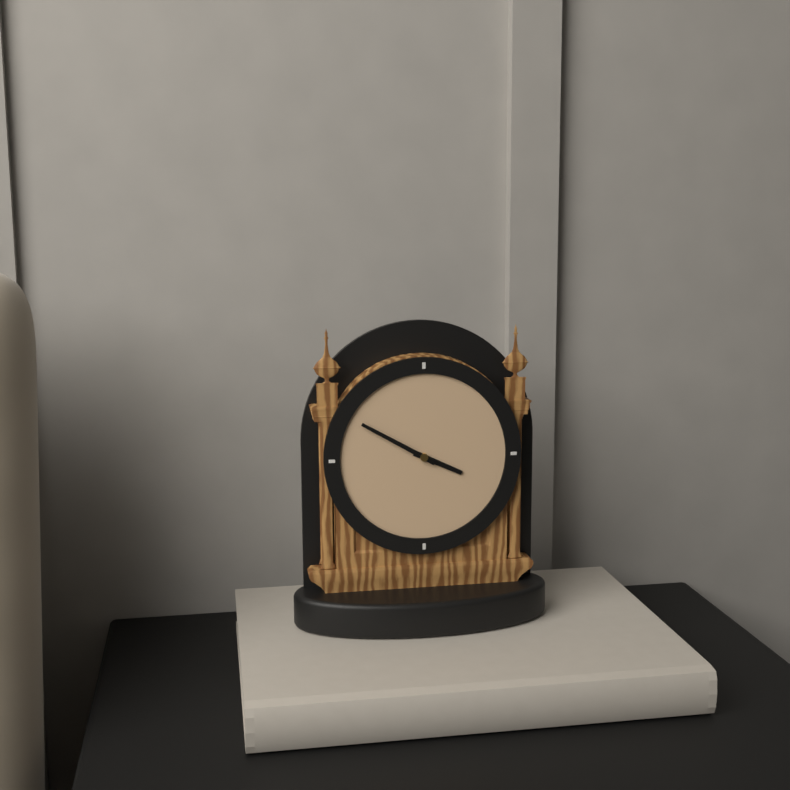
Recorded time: 3:50
